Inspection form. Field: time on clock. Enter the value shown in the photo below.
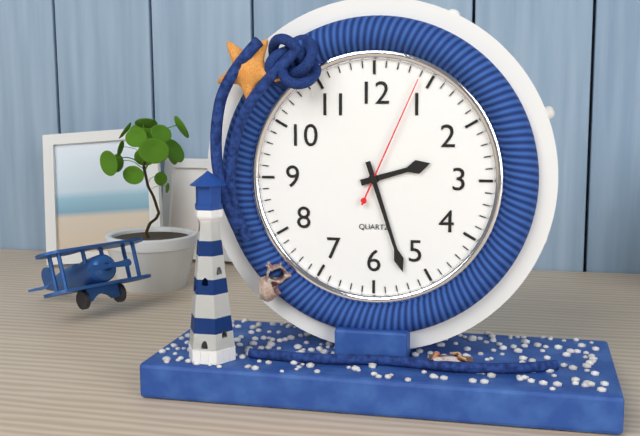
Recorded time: 2:27:04
